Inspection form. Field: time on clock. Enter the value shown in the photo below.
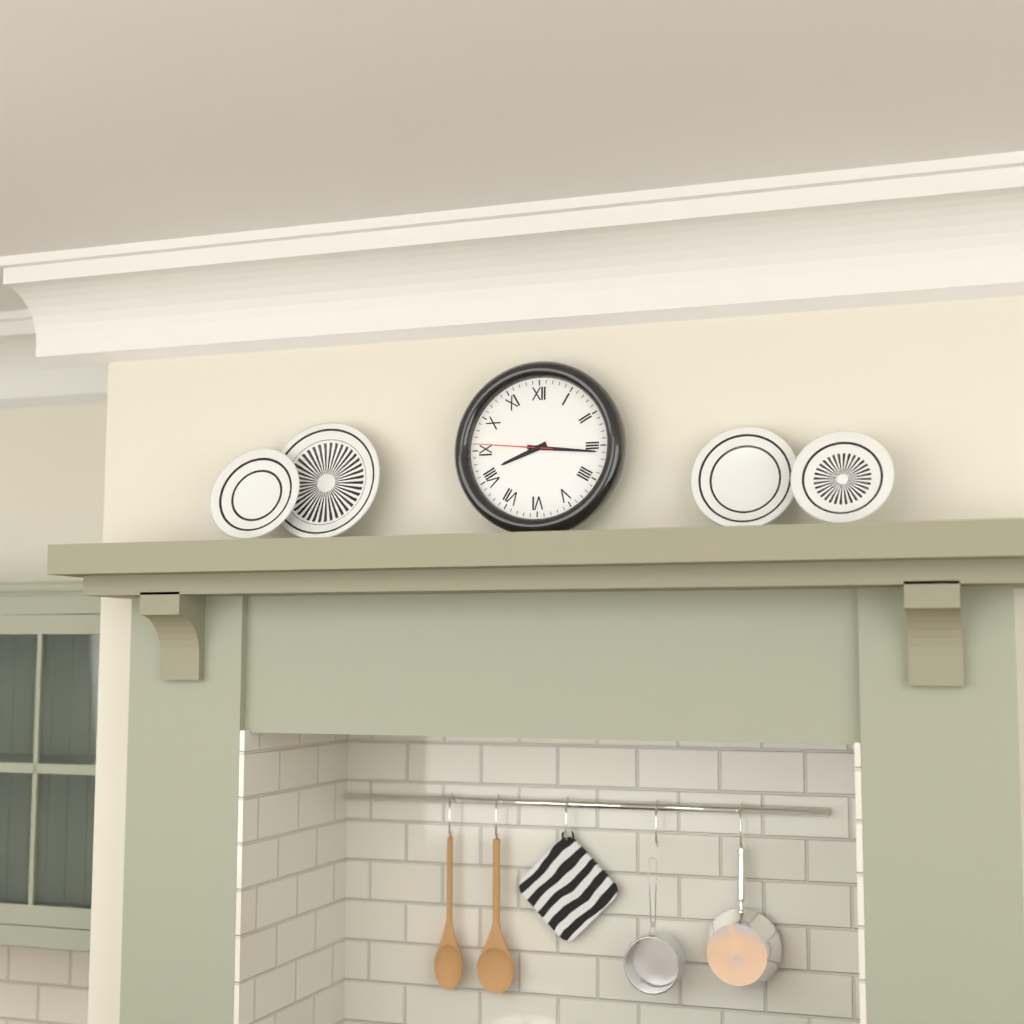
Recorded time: 8:16:46
